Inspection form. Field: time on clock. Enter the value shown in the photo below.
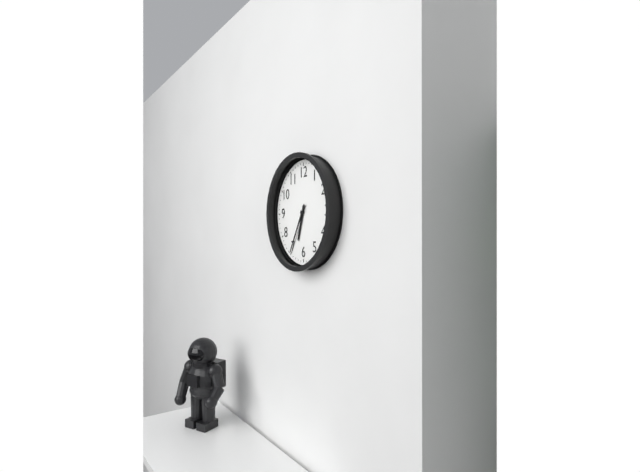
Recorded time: 6:35
